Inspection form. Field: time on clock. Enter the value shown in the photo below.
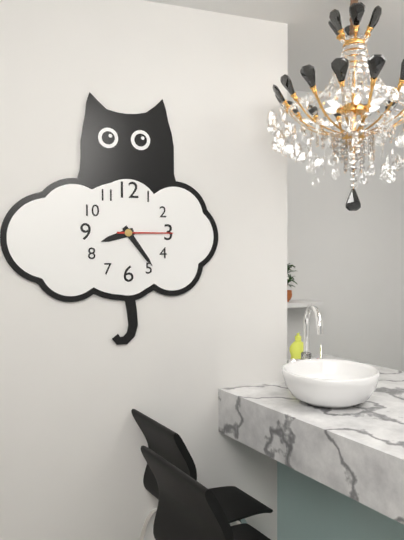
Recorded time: 8:24:15
